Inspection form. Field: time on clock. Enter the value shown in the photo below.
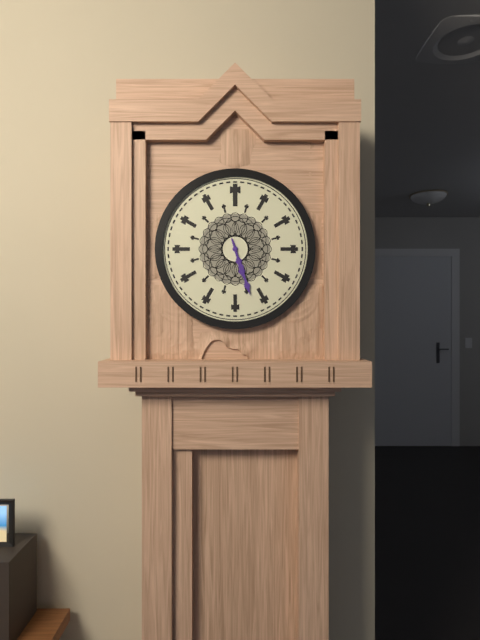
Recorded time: 5:27
